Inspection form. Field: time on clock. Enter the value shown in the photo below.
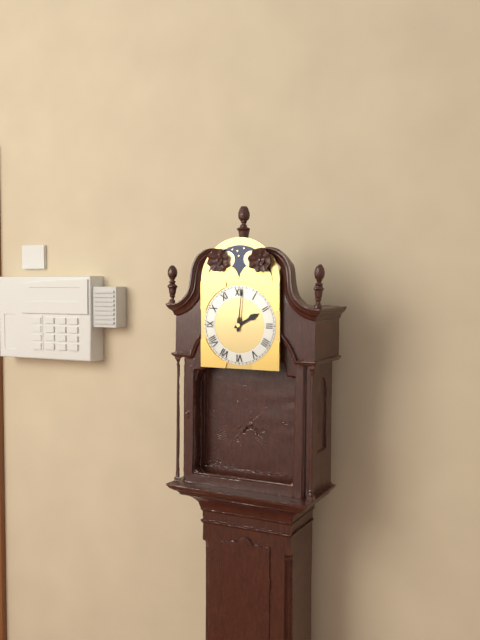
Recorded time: 2:01
